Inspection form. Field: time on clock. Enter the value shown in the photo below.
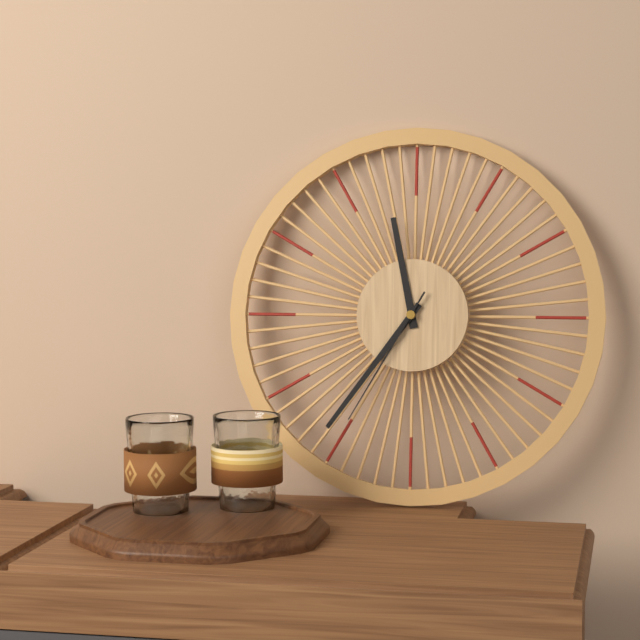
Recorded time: 11:36:35
